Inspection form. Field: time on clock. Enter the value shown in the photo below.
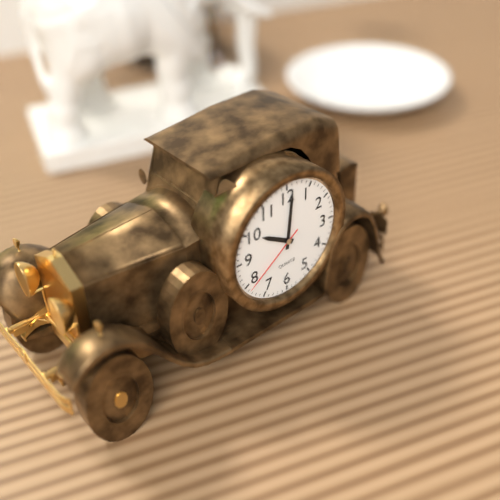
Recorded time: 10:01:39
